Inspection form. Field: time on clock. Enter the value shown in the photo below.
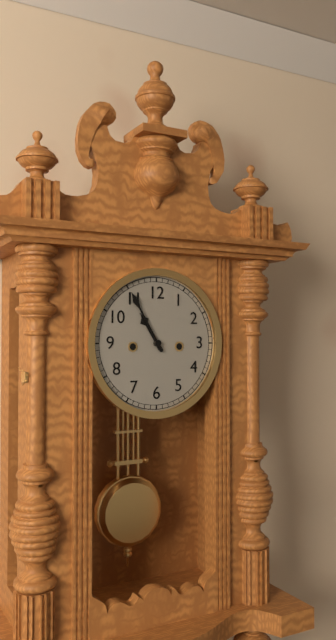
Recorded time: 10:55
